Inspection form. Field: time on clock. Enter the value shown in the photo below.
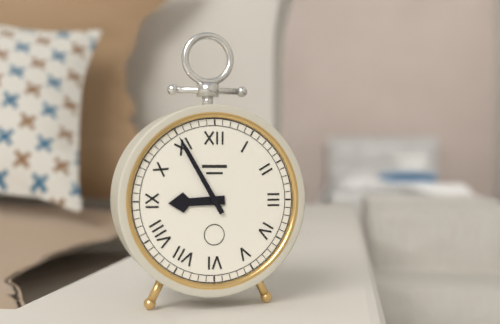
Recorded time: 8:55
